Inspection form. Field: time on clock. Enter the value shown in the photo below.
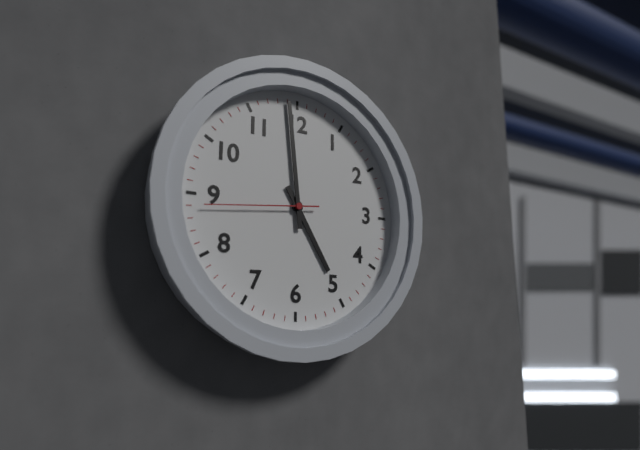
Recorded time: 4:59:44
